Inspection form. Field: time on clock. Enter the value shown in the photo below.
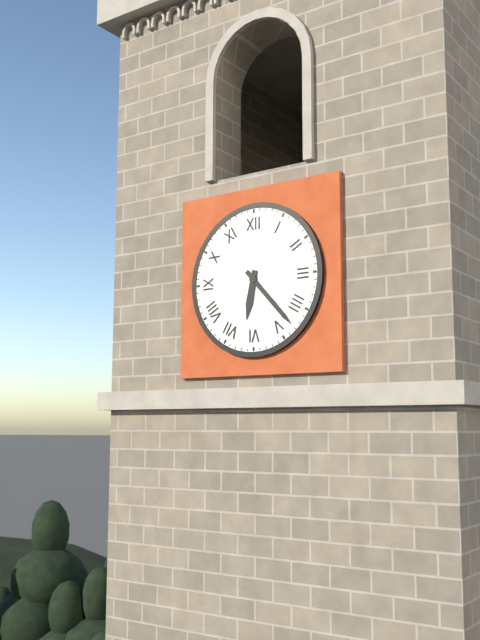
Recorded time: 6:23
